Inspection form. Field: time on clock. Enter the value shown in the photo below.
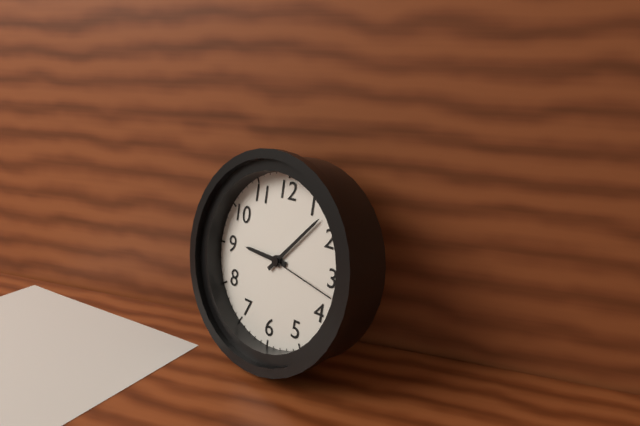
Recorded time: 9:07:17
